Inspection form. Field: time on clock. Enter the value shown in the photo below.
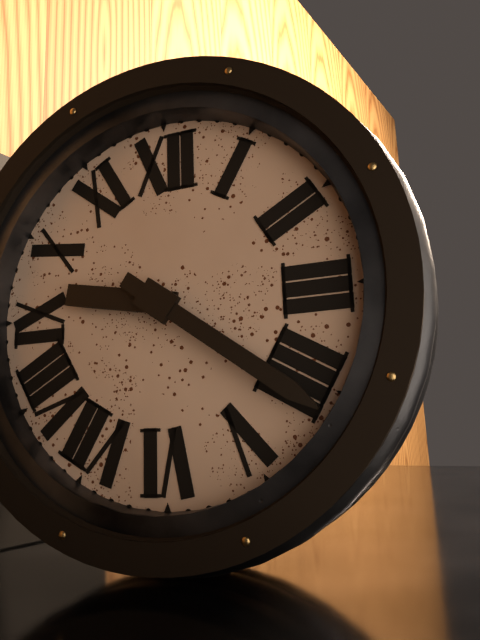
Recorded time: 9:21
